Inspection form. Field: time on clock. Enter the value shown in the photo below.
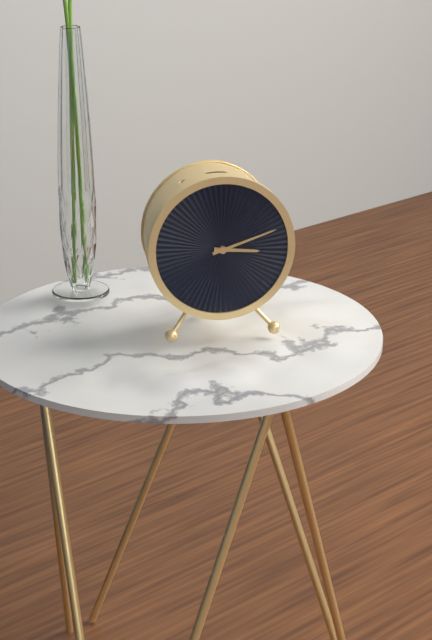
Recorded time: 3:12
